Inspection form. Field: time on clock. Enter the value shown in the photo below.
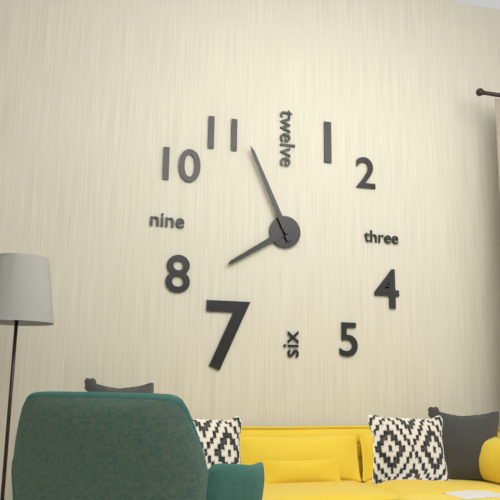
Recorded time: 7:56
